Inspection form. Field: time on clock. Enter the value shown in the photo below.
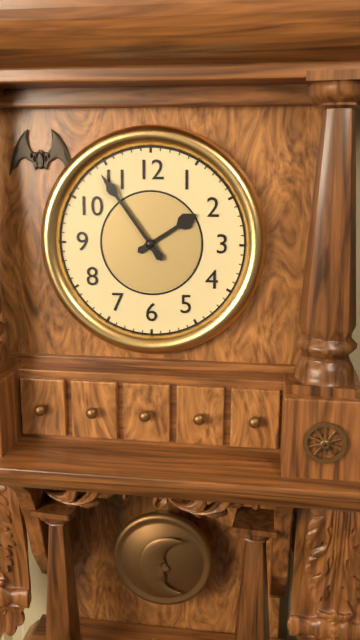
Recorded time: 1:54
